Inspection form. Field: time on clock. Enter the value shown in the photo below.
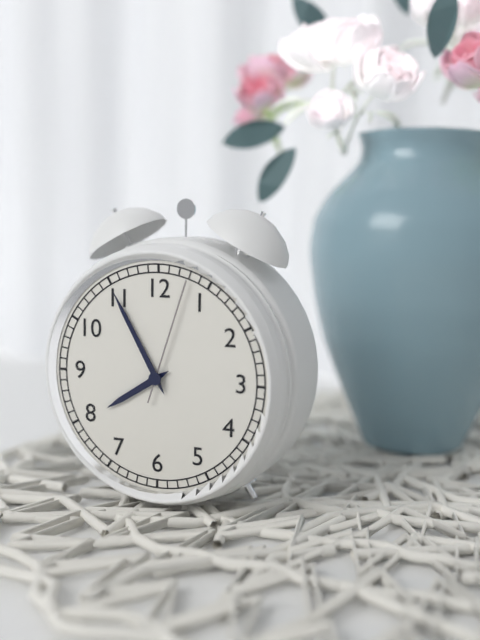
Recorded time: 7:55:03
